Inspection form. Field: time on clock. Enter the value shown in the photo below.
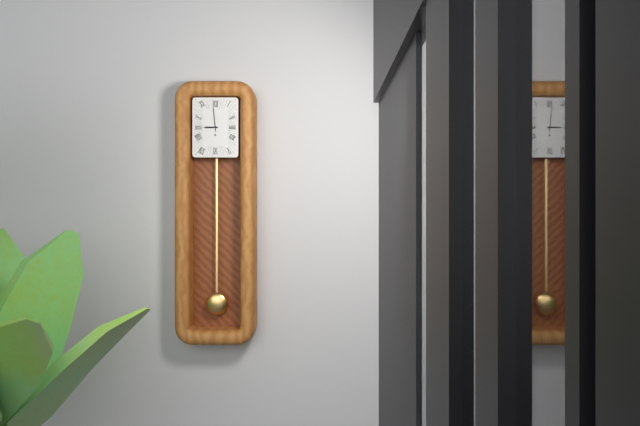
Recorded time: 8:59
